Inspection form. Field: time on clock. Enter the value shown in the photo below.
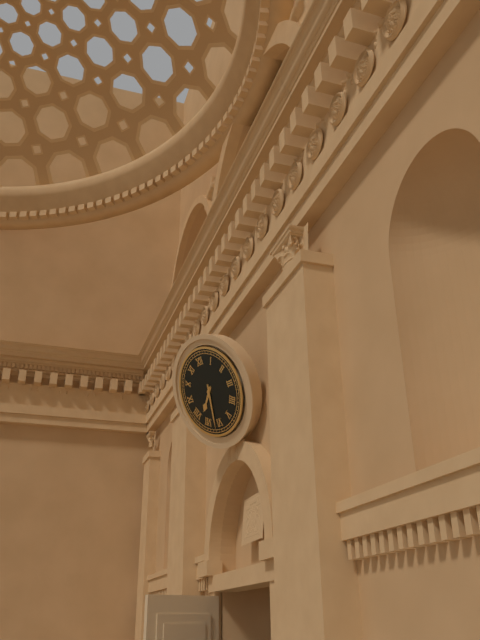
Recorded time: 7:32
